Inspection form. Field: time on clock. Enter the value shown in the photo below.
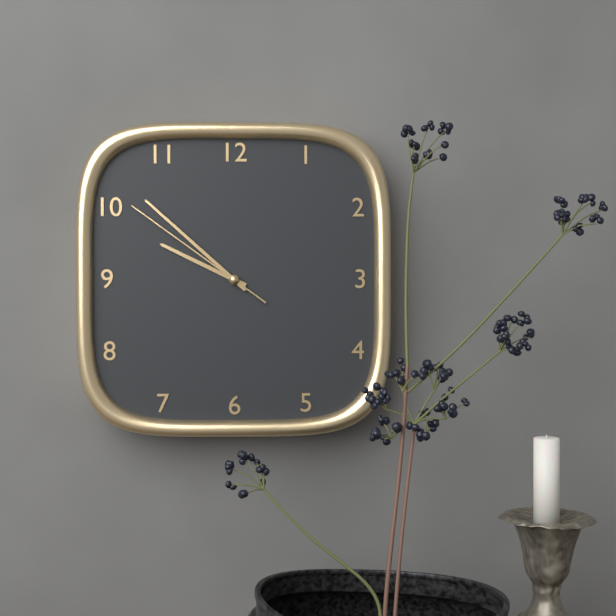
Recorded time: 9:52:51
